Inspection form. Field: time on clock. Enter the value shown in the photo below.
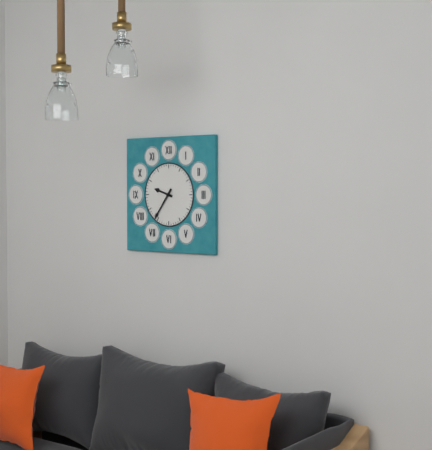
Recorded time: 9:36
